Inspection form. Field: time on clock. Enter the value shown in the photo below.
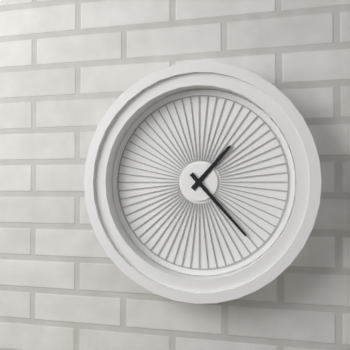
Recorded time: 1:23
